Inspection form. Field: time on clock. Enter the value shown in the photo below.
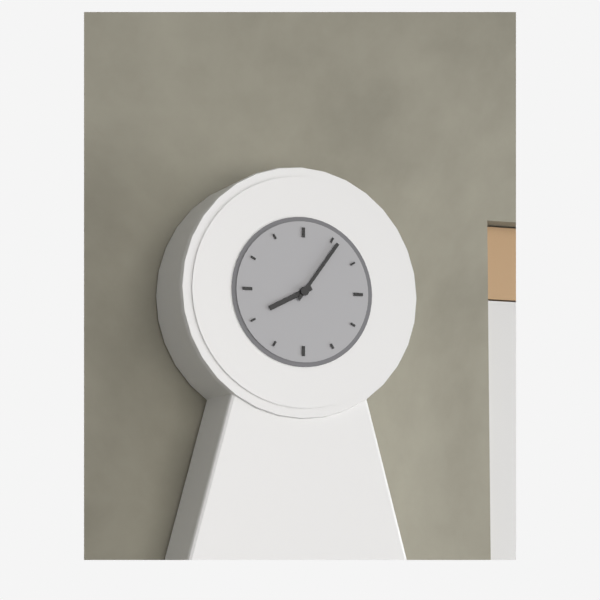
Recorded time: 8:06
